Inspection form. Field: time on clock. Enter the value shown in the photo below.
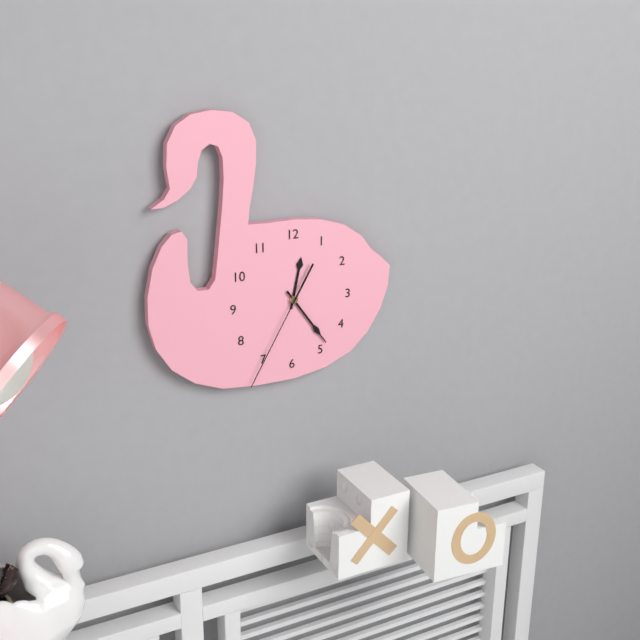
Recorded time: 12:24:35
